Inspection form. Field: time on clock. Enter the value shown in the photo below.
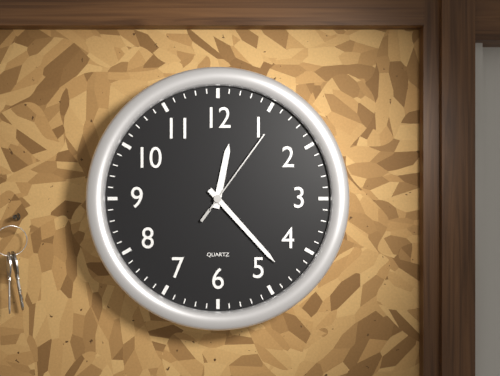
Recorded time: 12:23:06
